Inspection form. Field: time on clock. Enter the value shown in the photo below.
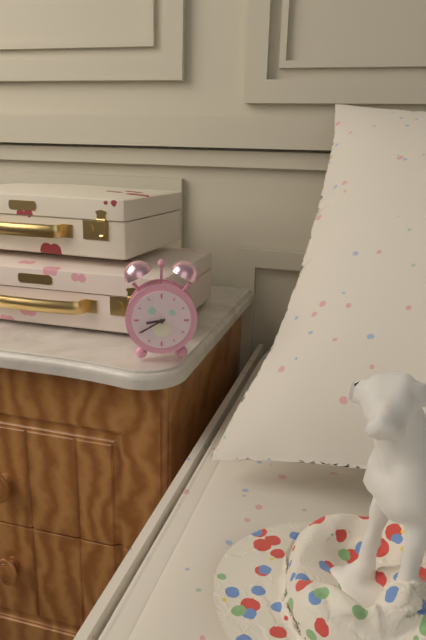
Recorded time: 8:40
